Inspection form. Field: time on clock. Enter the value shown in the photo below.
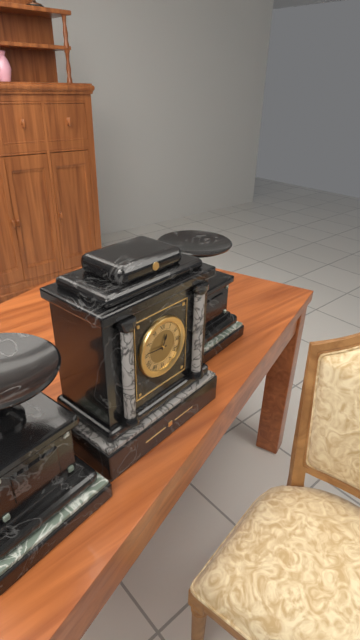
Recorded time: 12:46
